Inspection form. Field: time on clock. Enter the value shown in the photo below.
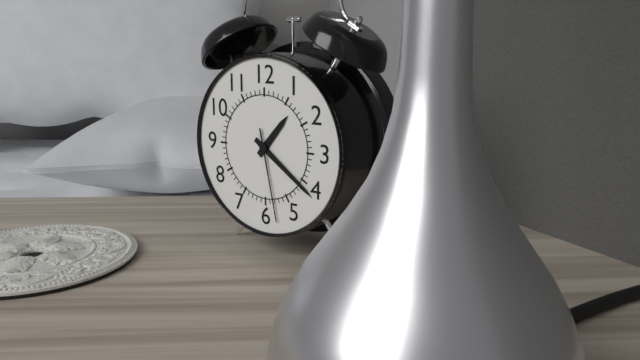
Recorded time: 1:21:28
